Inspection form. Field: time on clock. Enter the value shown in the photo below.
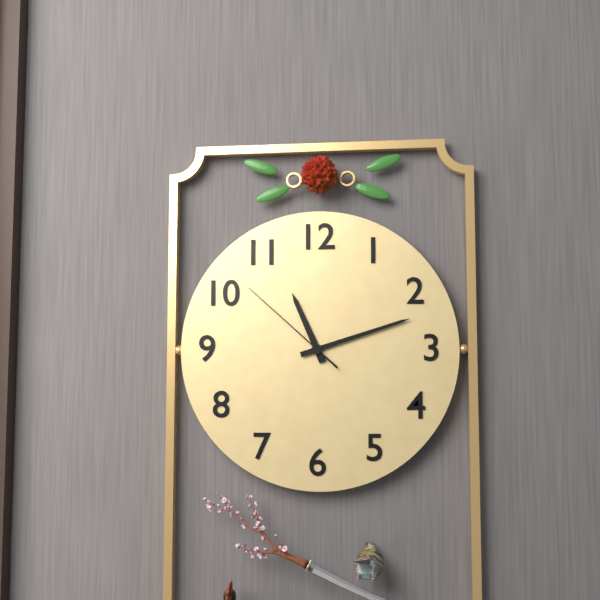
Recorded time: 11:12:52
